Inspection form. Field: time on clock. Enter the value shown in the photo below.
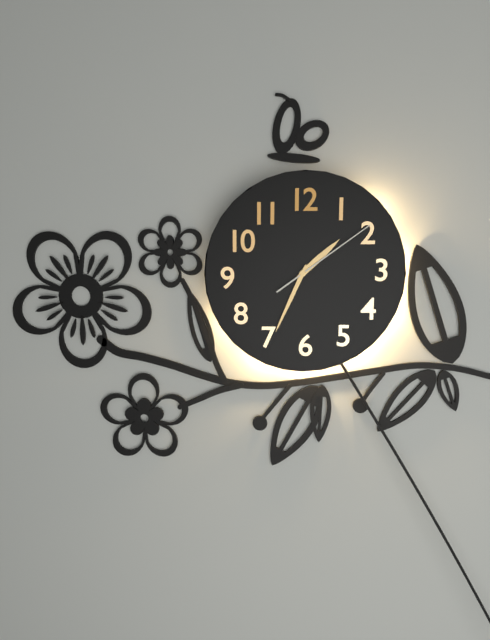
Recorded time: 1:34:09
